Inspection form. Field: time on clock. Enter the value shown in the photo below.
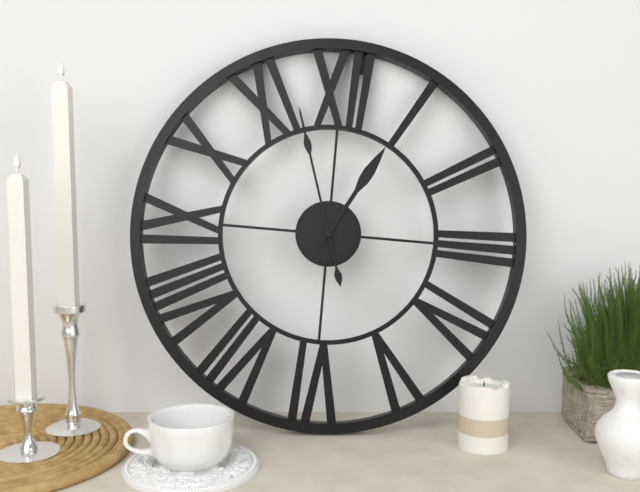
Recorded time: 12:57
